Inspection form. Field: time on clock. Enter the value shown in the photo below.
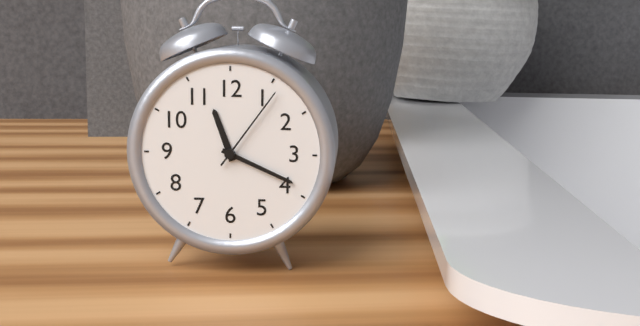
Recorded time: 11:19:06
